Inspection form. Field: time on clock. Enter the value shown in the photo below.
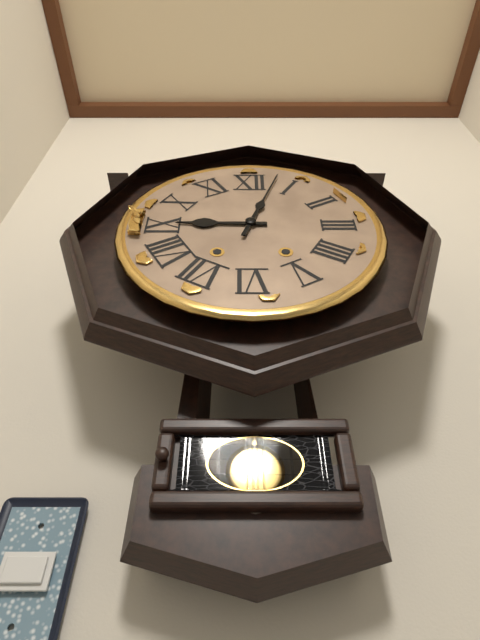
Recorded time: 9:03
